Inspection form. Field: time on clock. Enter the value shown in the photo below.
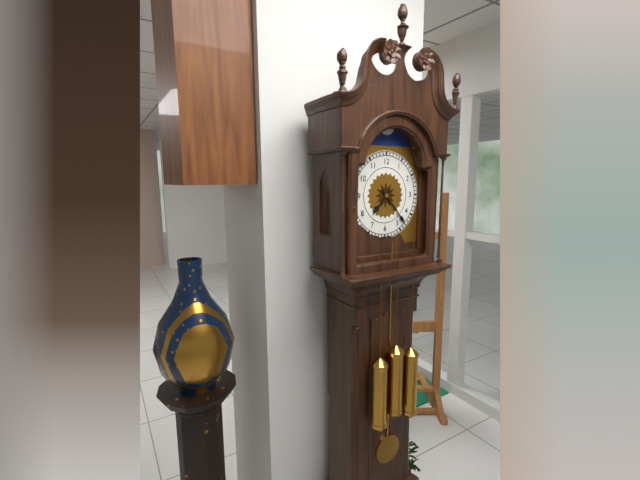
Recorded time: 7:23
